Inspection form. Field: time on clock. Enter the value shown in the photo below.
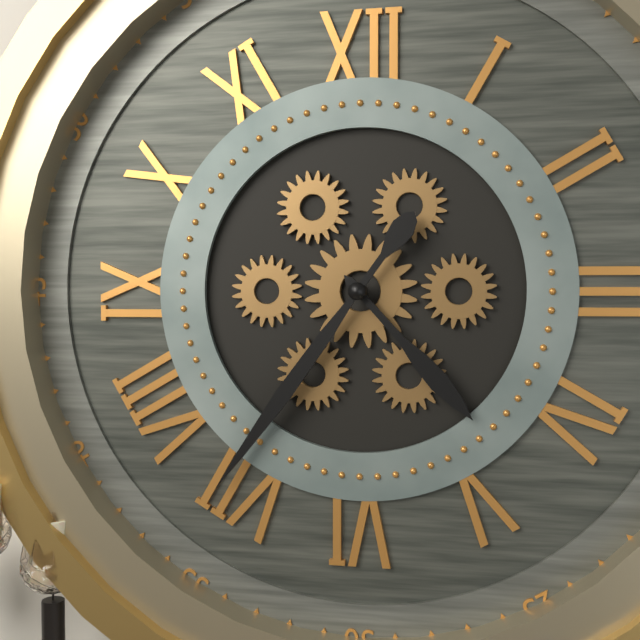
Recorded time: 4:36
